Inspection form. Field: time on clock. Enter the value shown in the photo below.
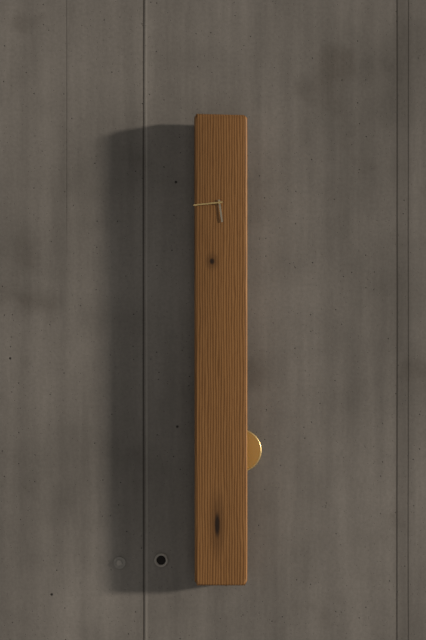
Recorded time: 5:44
